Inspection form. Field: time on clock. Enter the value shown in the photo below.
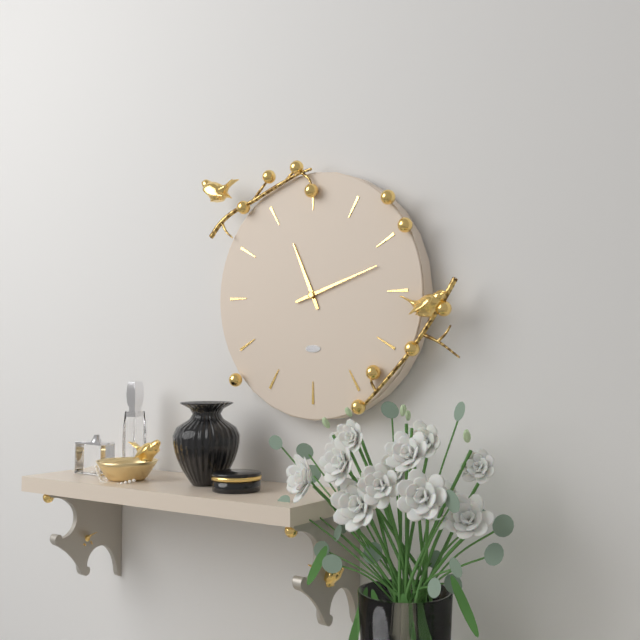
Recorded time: 11:12
